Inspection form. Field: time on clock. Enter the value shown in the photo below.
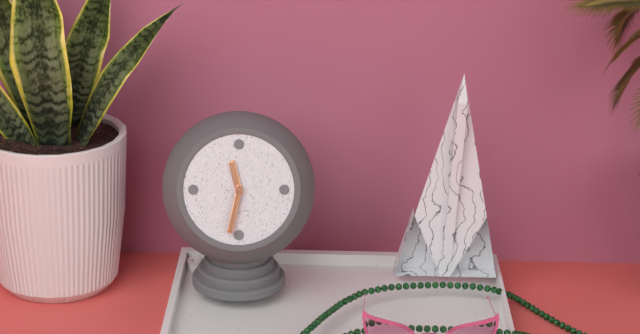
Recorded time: 11:32
